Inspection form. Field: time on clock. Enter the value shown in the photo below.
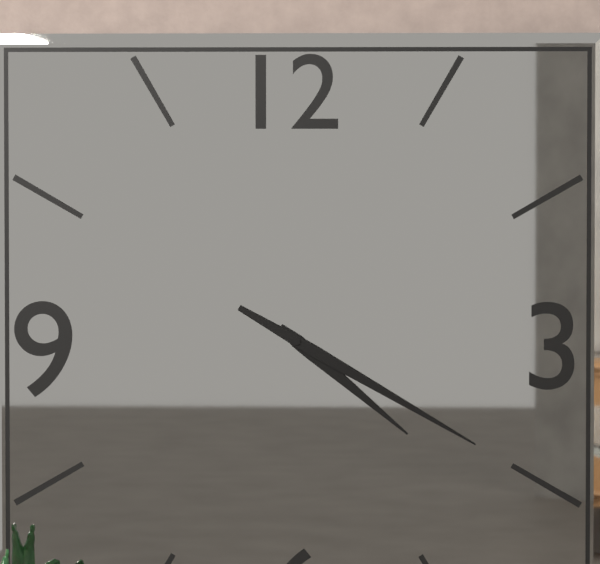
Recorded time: 4:20
